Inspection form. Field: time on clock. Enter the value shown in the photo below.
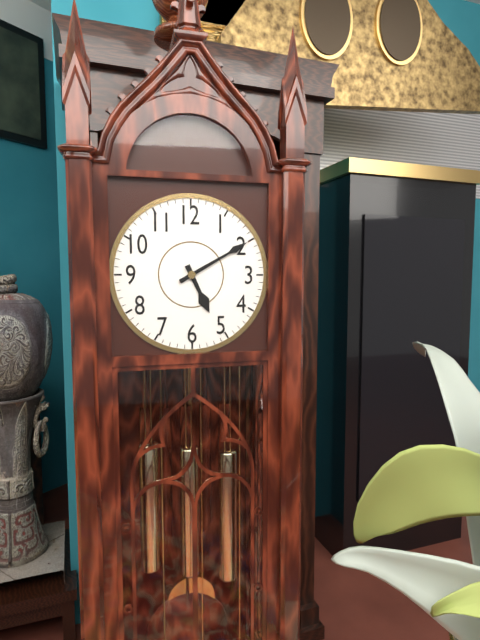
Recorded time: 5:10
